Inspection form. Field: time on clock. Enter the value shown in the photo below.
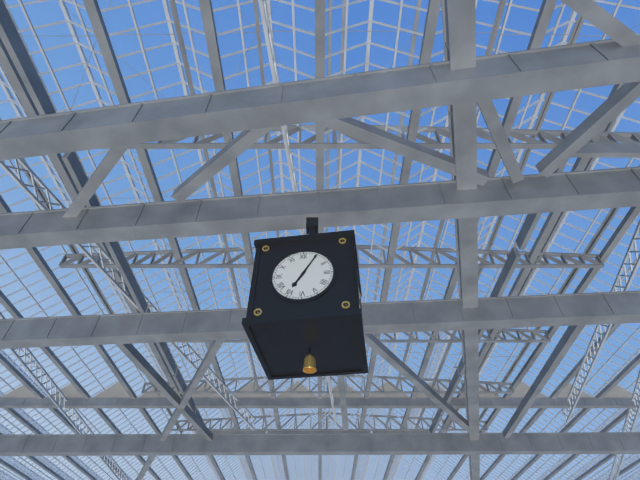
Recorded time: 7:05
